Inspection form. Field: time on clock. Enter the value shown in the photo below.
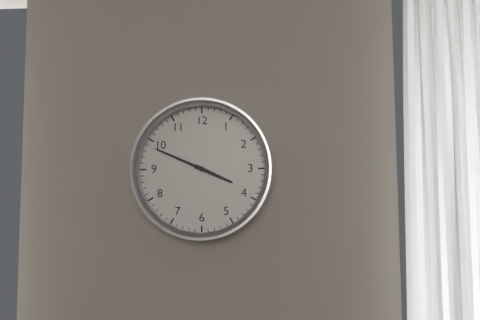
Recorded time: 3:49
